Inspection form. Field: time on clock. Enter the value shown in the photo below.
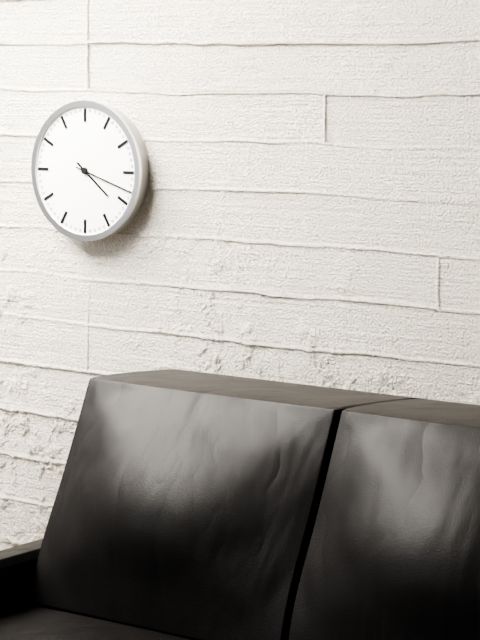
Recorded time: 4:18
